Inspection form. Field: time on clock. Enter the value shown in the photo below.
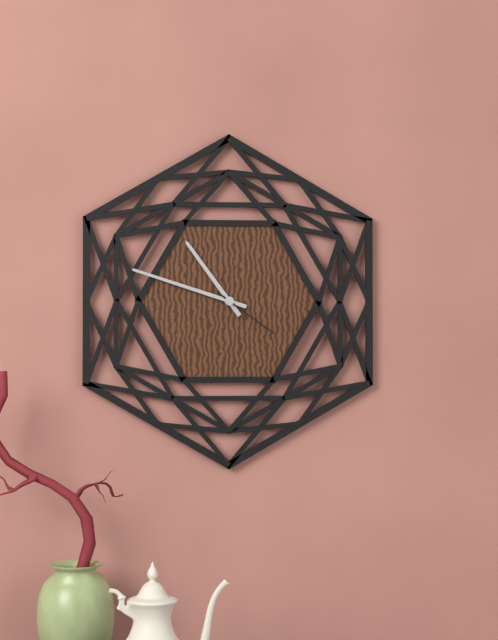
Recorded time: 10:48:21
